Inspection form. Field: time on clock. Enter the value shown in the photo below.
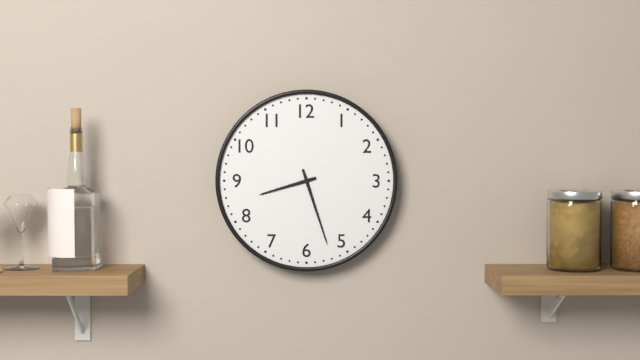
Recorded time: 8:27
